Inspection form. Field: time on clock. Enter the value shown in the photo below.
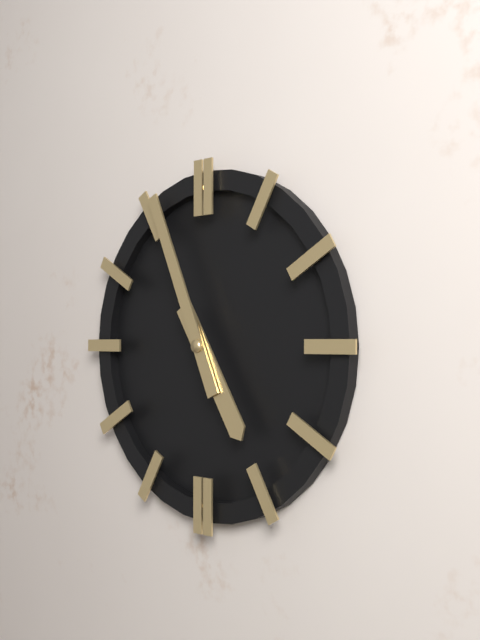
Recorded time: 4:56
